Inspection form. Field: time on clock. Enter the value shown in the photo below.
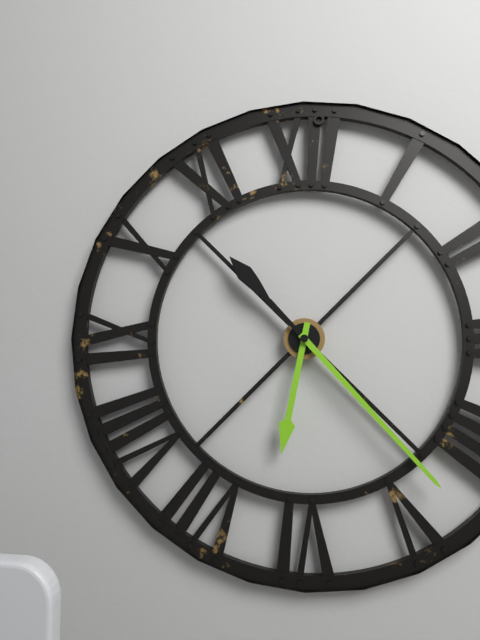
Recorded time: 6:23
